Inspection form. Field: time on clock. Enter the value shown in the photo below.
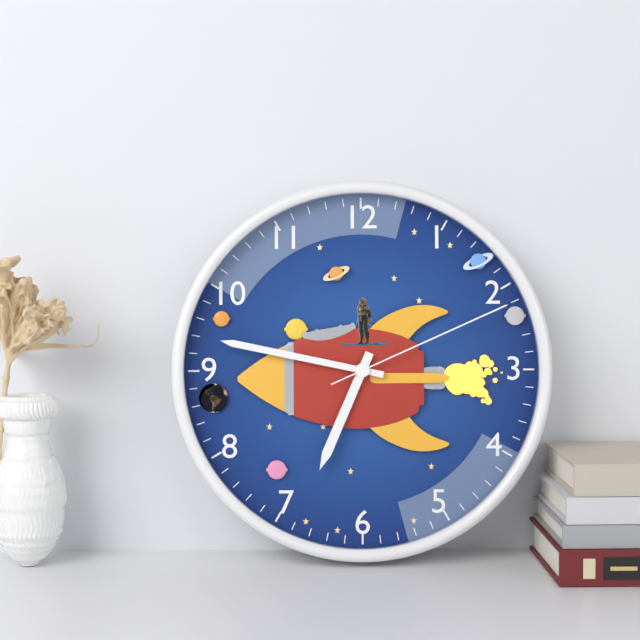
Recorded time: 6:47:11
